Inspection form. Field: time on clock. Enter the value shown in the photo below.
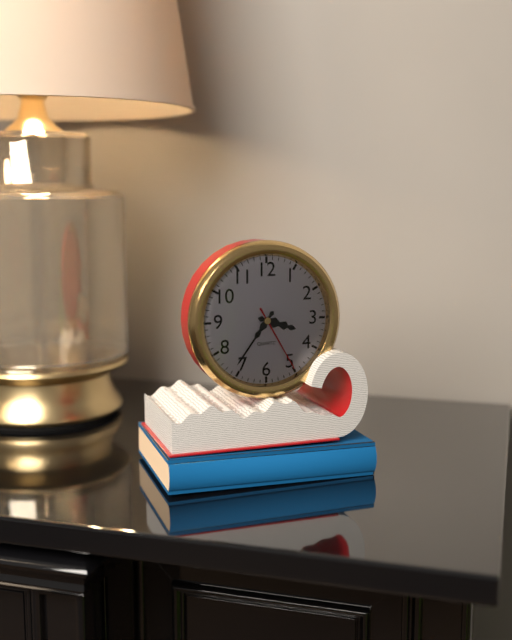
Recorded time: 3:36:25
